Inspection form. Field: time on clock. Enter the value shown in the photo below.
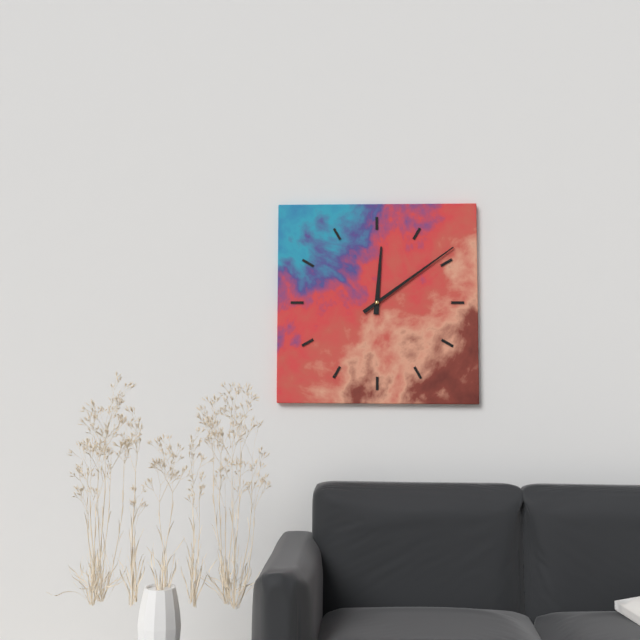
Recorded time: 12:09
